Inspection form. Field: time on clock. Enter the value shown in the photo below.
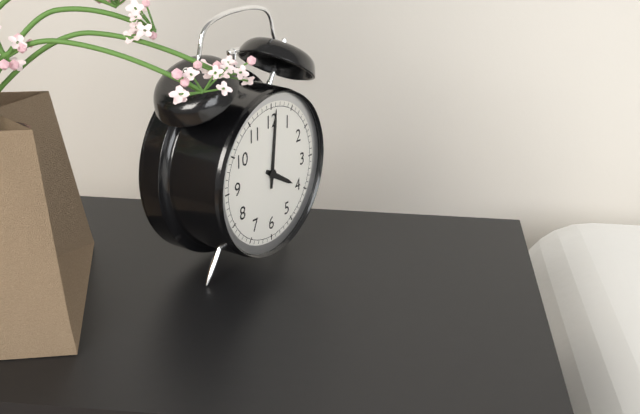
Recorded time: 4:01
